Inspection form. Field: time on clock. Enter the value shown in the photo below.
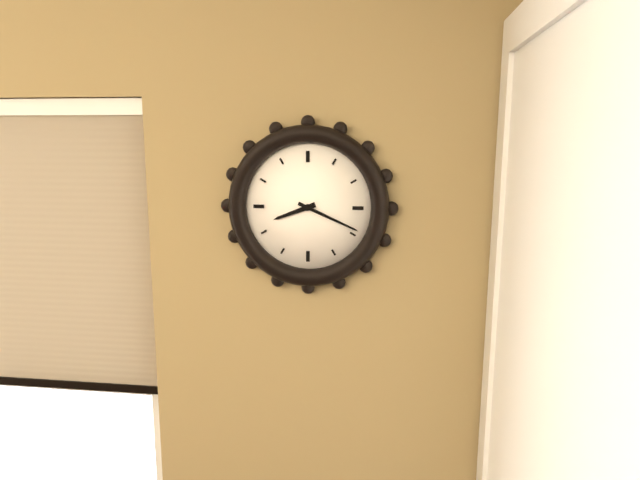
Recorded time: 8:19
